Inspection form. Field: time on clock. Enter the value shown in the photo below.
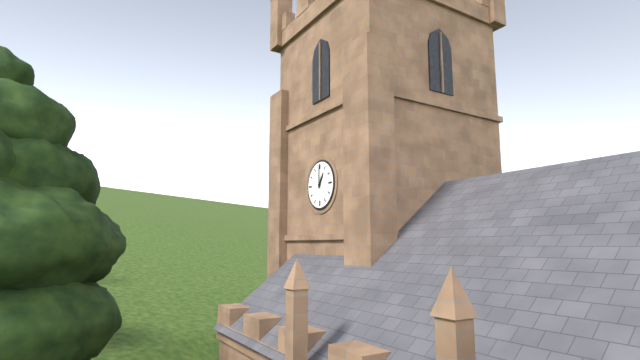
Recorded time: 1:00
